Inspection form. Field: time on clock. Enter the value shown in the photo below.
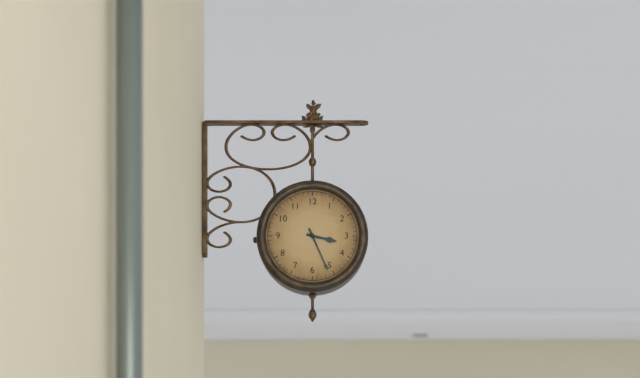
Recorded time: 3:26
